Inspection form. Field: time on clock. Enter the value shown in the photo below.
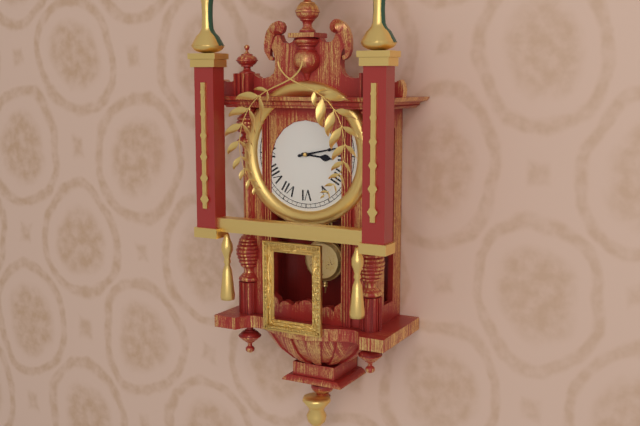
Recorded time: 3:13
